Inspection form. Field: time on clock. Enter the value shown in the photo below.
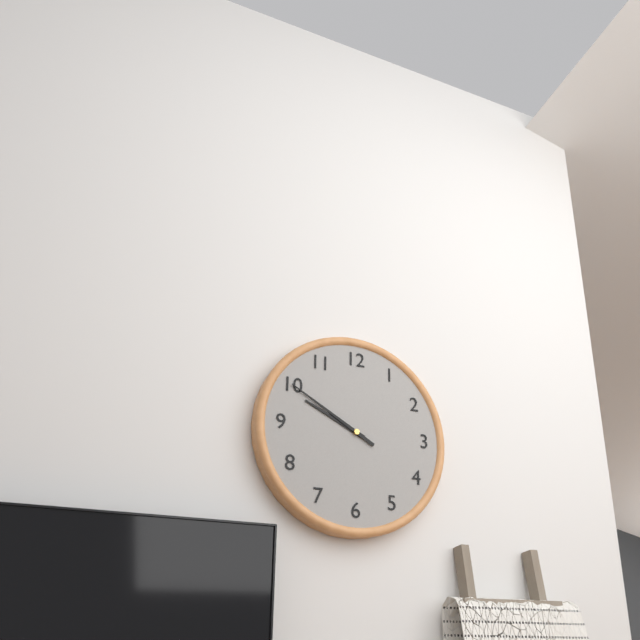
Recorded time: 9:50
